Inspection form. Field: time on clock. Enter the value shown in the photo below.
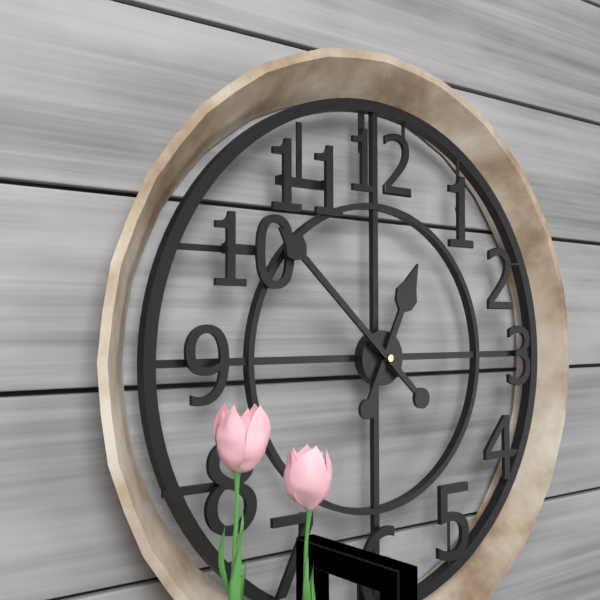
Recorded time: 12:52
